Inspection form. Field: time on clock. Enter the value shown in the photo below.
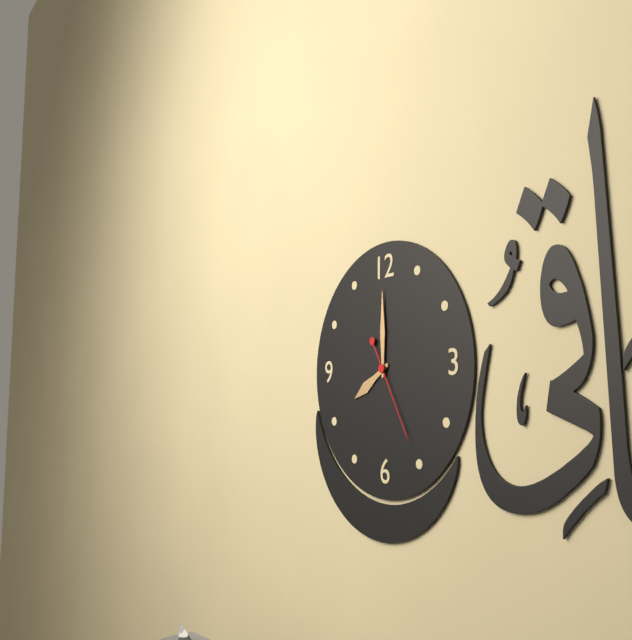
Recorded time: 8:00:25
